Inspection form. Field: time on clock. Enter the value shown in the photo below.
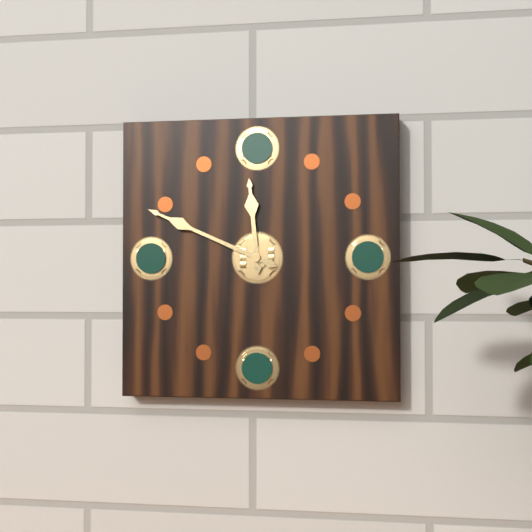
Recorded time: 11:49
